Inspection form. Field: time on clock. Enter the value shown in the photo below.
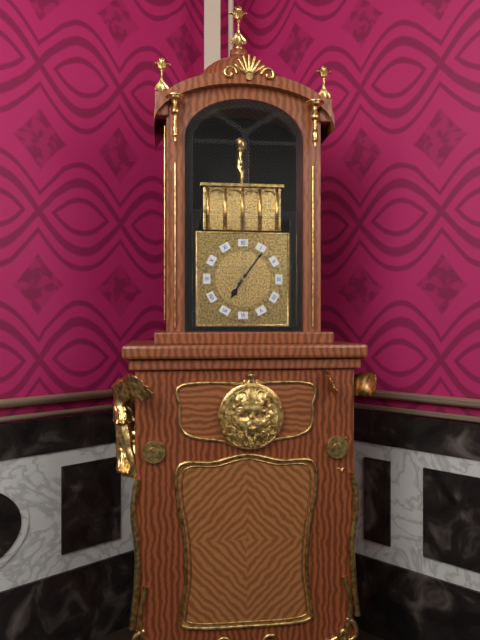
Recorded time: 7:06
